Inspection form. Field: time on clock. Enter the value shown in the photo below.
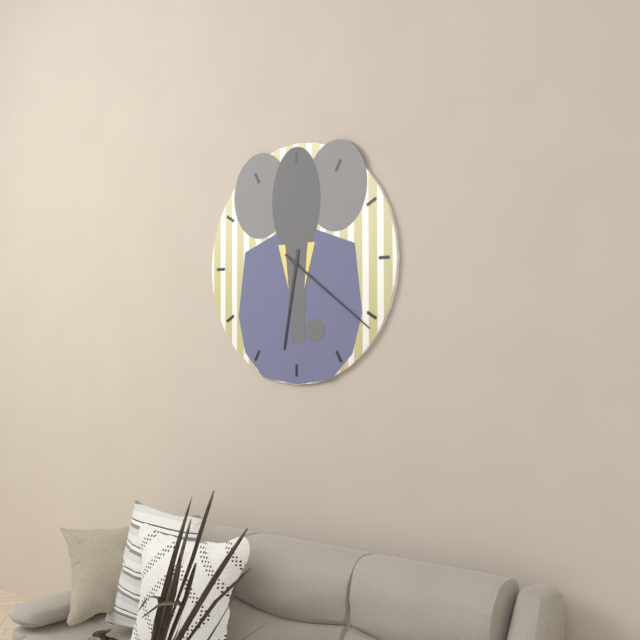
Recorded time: 6:21
